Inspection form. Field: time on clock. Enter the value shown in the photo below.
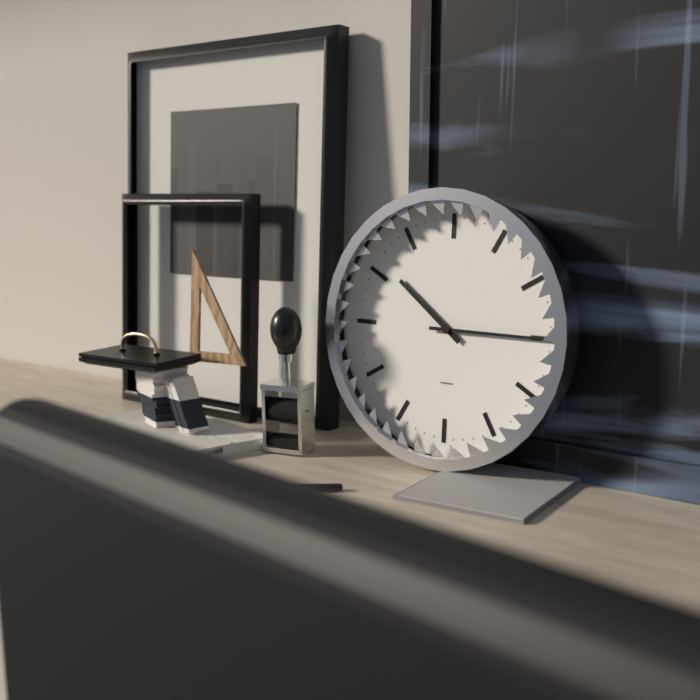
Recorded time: 10:15
